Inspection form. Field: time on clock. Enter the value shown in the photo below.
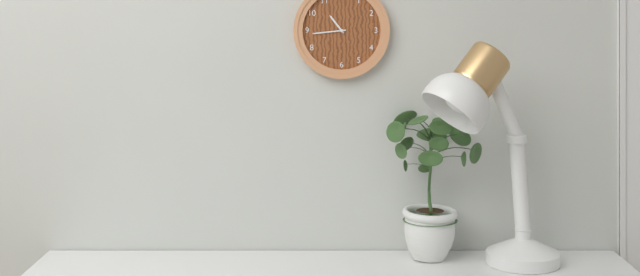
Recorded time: 10:44
